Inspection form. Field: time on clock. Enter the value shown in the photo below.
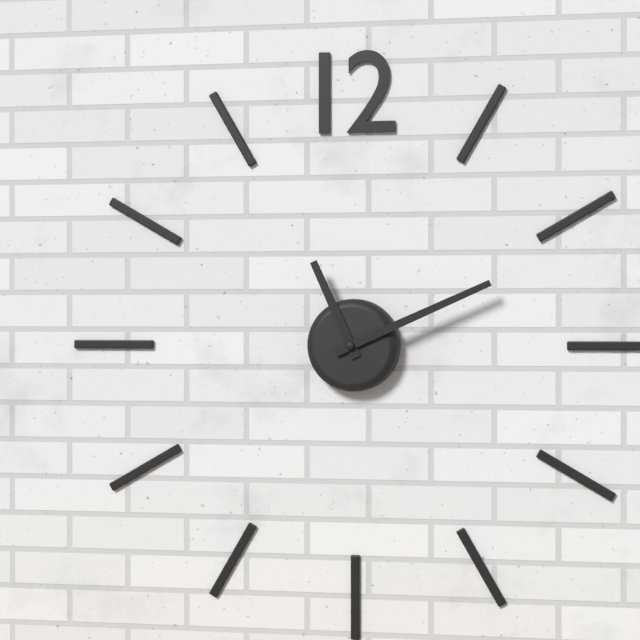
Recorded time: 11:11
